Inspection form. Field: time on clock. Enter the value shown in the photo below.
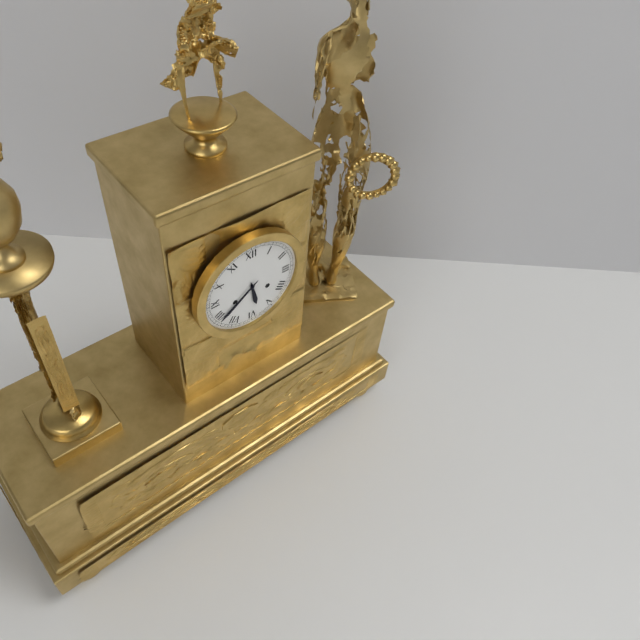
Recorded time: 5:39
